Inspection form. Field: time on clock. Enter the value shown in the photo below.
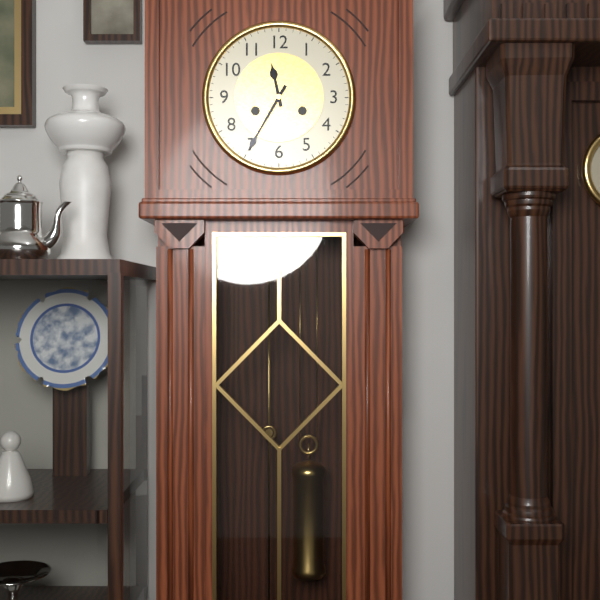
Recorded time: 11:35
